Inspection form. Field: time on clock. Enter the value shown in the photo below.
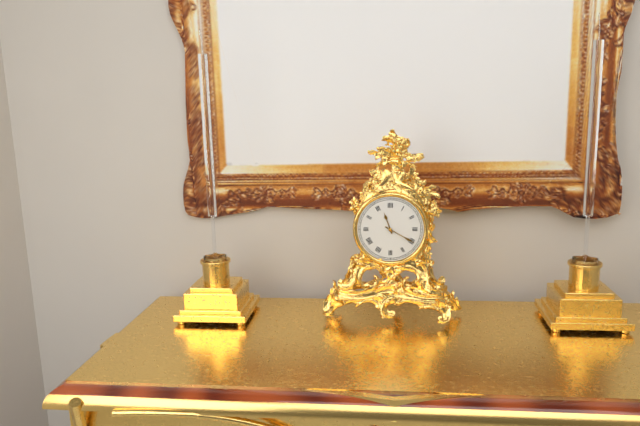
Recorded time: 11:20
